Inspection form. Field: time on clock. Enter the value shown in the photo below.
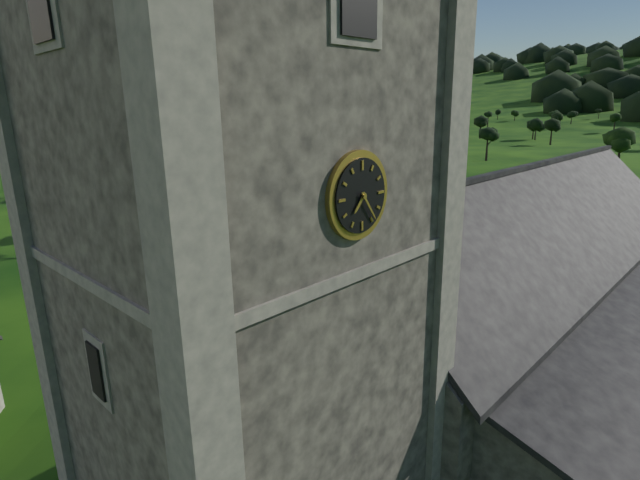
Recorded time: 7:24
